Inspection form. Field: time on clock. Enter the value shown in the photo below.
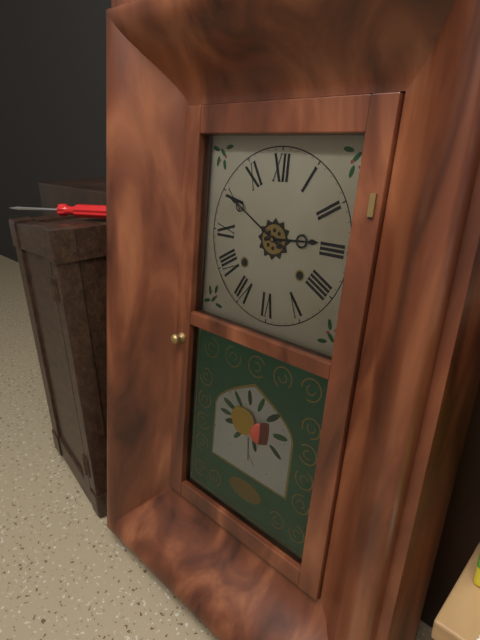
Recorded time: 2:50
